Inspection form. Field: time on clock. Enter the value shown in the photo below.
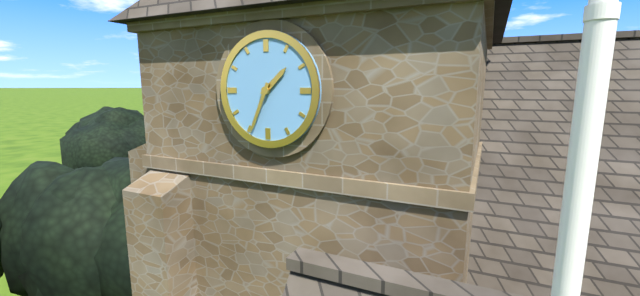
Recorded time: 1:34
